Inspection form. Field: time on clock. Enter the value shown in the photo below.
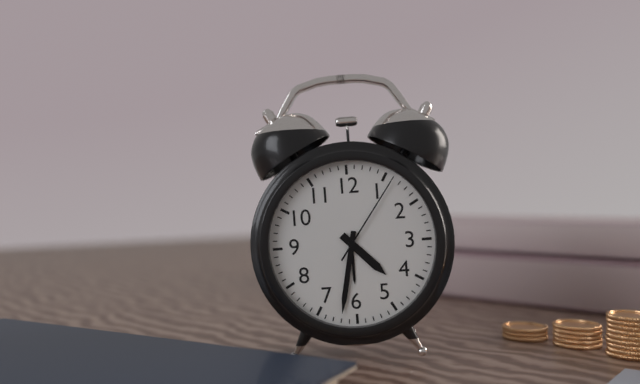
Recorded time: 4:32:06
